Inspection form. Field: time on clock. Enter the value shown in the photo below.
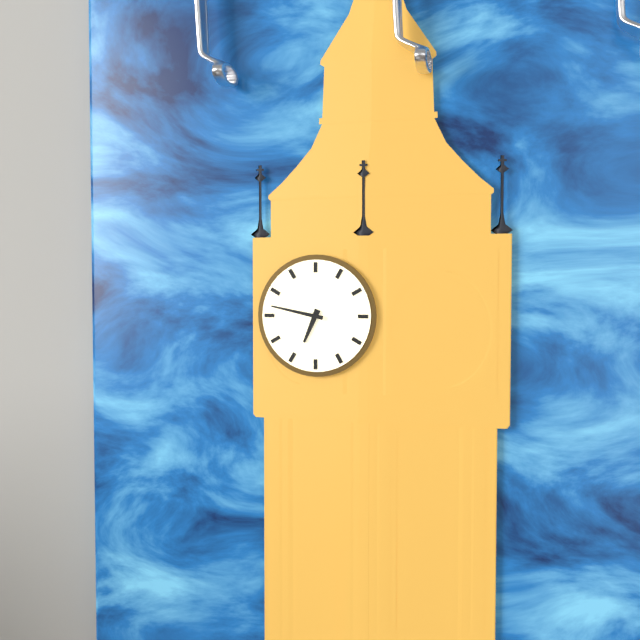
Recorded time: 6:47
